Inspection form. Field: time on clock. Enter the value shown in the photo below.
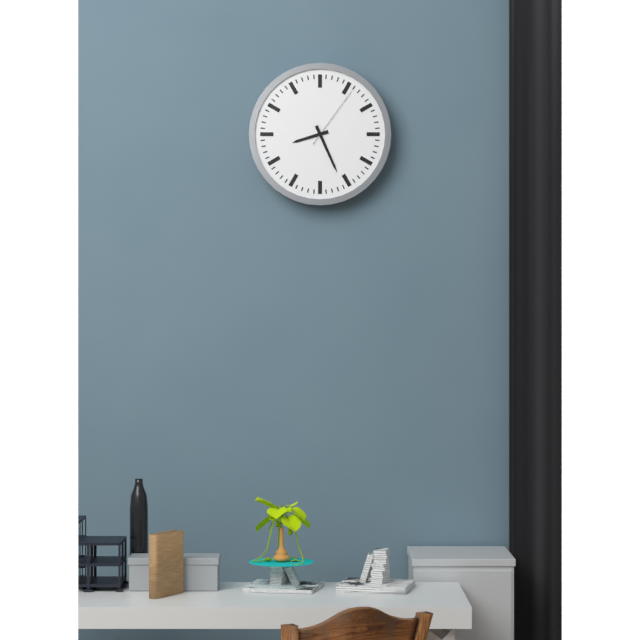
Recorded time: 8:26:06
